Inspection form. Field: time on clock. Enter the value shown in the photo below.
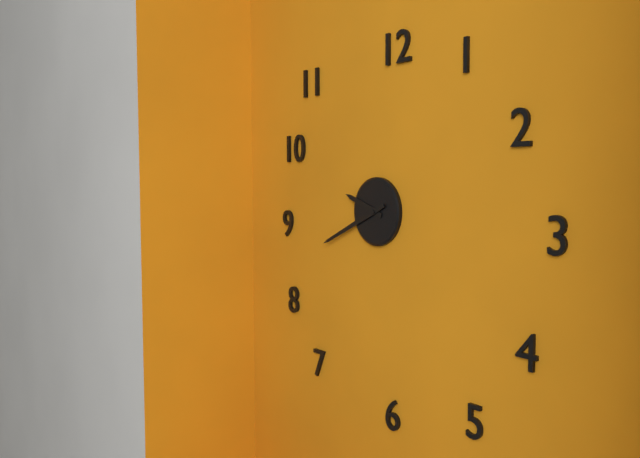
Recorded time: 9:41
